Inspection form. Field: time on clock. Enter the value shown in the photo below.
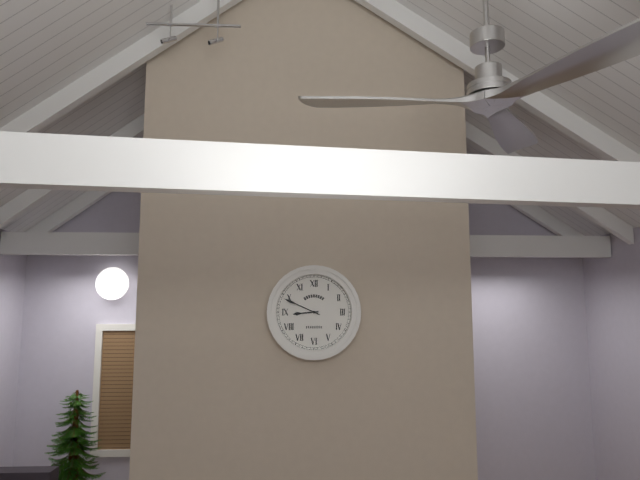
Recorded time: 8:49
